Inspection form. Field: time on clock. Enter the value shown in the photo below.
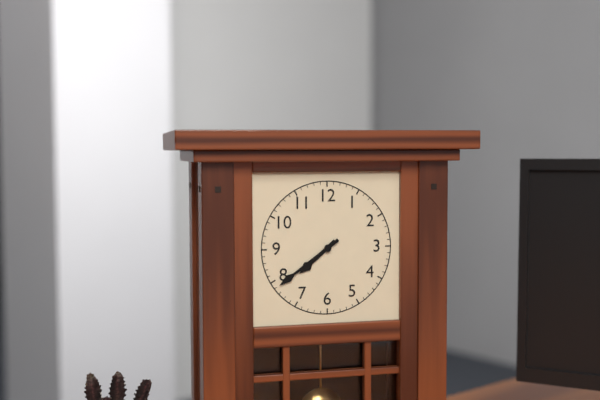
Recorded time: 7:39
